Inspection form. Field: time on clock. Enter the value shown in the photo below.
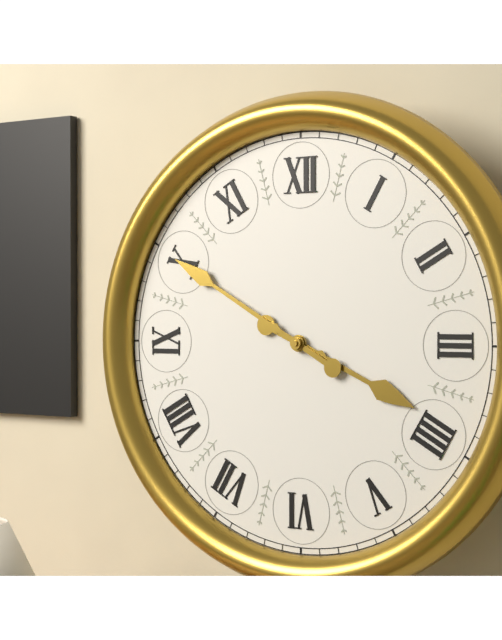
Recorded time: 3:50
